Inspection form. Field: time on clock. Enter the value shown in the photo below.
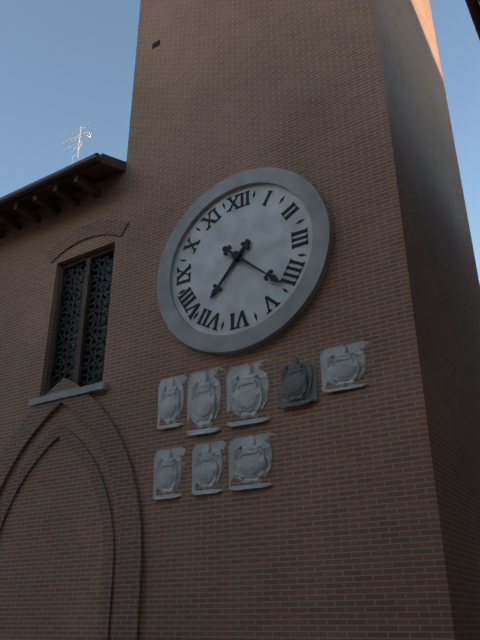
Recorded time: 7:22
